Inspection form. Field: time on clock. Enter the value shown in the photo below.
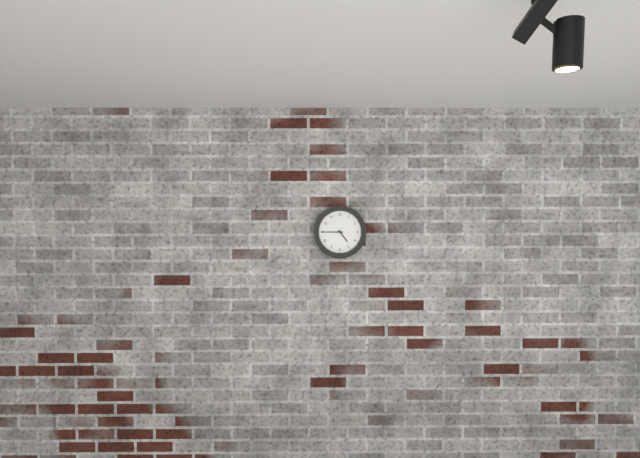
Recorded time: 4:45
